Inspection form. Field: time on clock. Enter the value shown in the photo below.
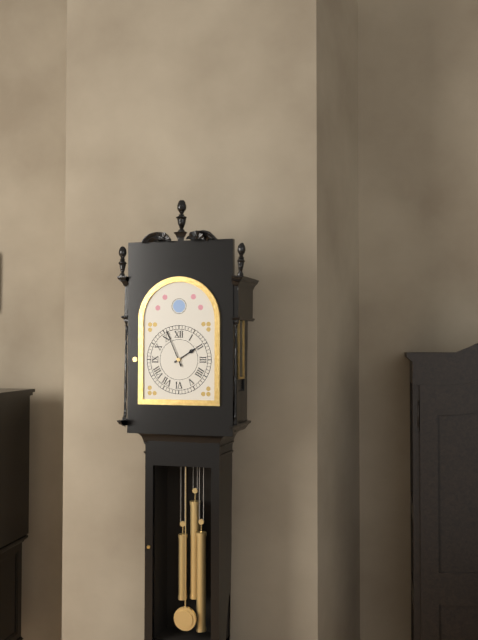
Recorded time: 1:56
